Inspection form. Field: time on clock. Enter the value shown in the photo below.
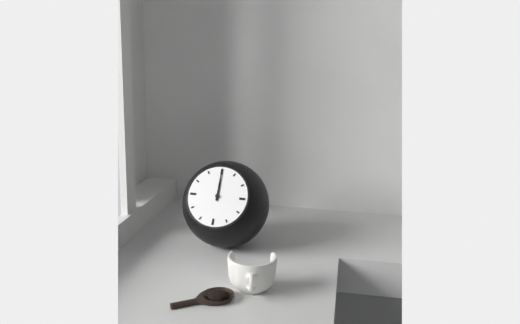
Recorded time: 12:00
